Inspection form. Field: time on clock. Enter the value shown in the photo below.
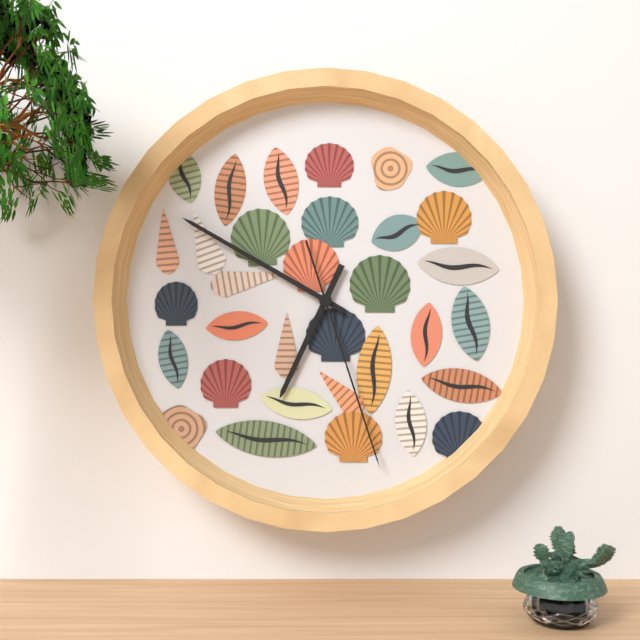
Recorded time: 6:50:27
